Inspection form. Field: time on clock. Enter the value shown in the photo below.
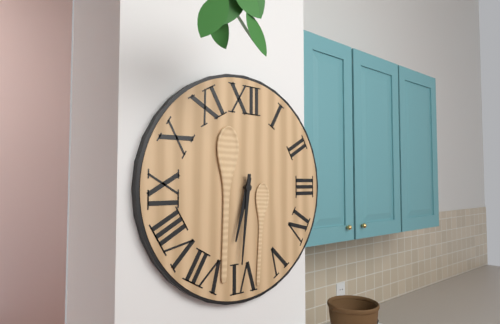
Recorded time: 6:31
